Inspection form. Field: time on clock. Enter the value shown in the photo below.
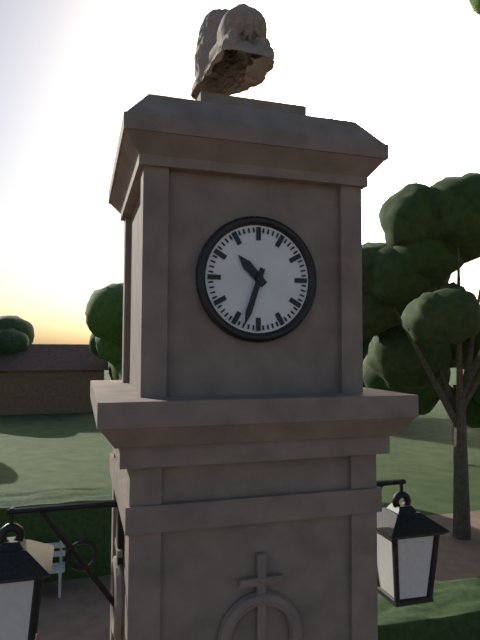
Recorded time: 10:33
